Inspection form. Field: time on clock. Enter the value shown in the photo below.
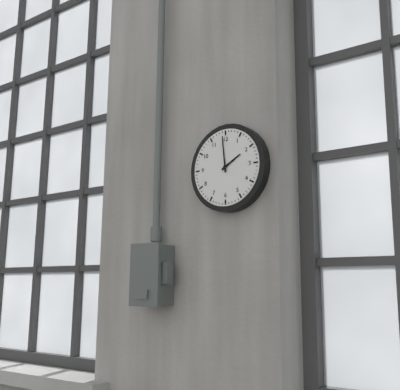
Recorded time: 1:59
